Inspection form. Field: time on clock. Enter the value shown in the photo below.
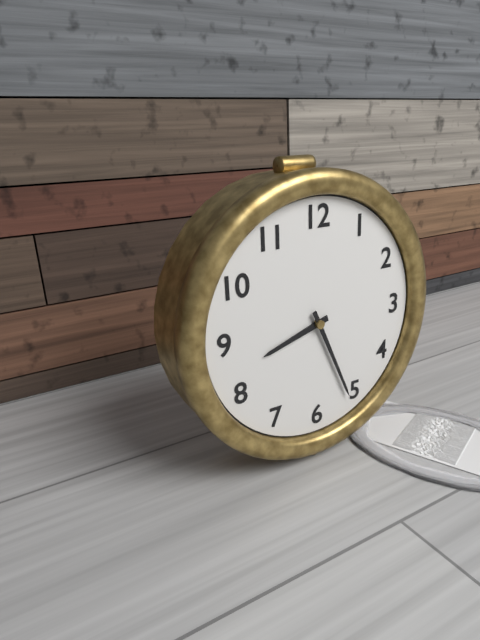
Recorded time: 8:26
